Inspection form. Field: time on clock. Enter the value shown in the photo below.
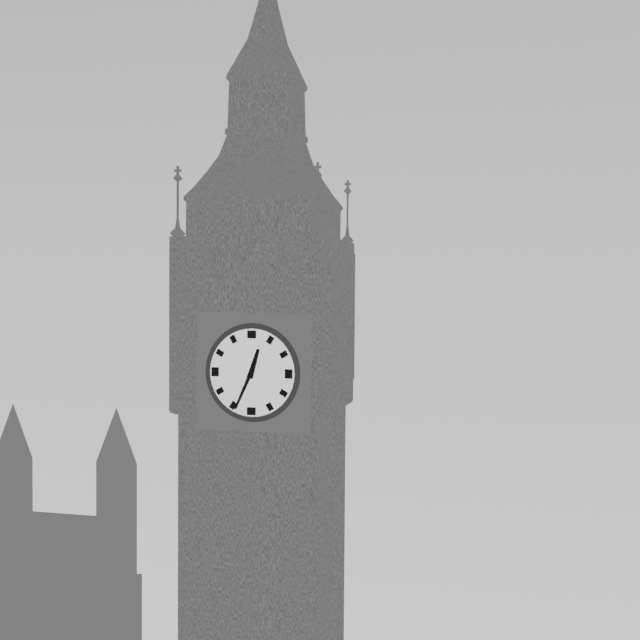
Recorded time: 12:34
